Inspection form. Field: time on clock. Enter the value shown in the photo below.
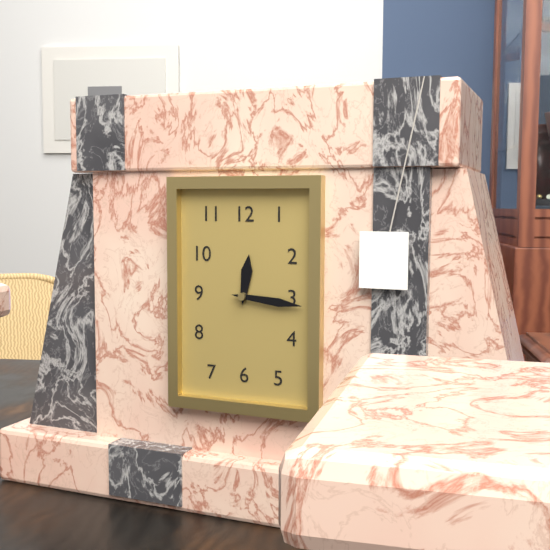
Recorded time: 12:16
